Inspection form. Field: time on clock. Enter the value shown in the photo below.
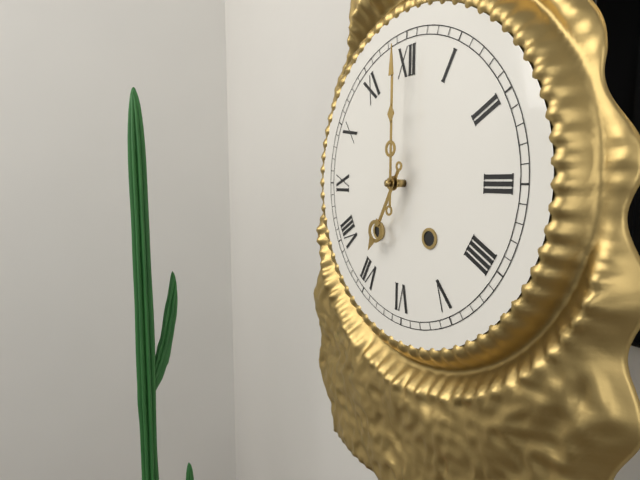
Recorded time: 7:00
